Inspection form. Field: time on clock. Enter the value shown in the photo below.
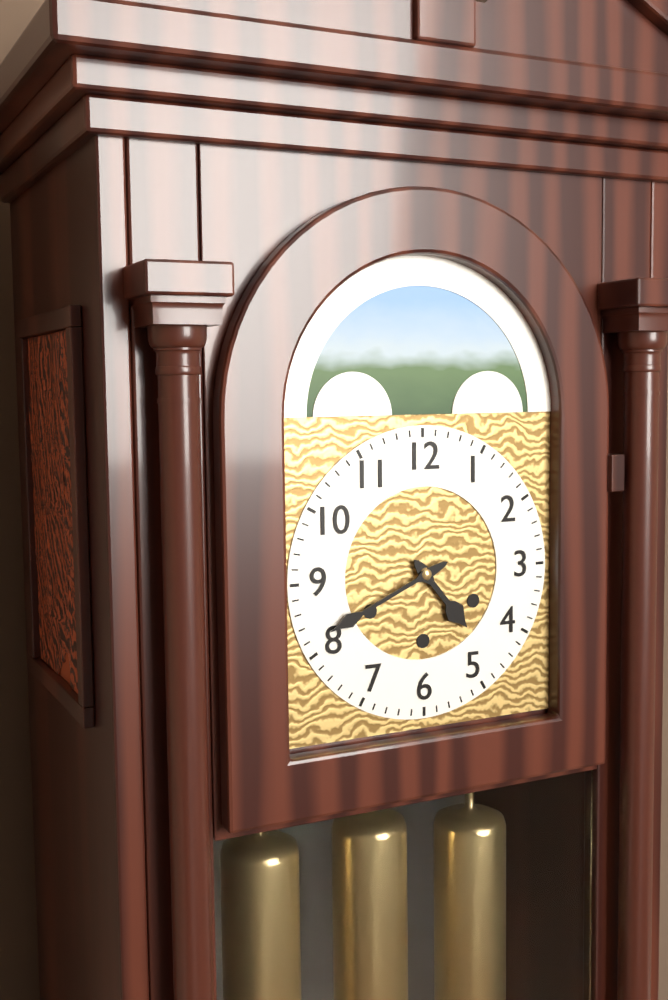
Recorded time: 4:41
